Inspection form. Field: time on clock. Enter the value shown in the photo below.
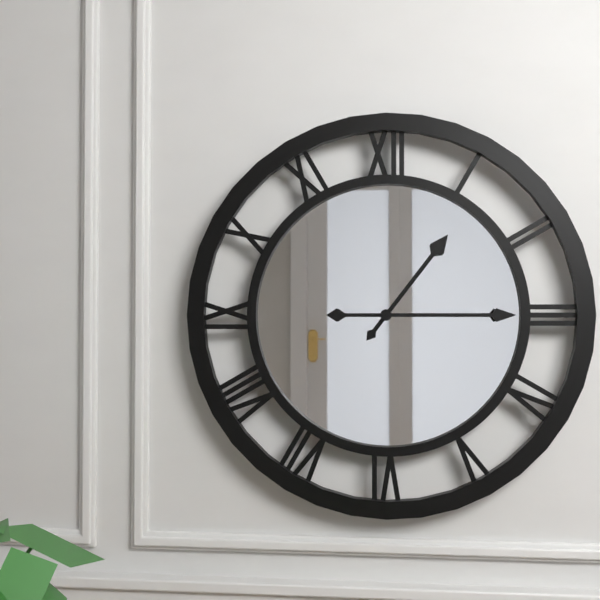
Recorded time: 1:15
